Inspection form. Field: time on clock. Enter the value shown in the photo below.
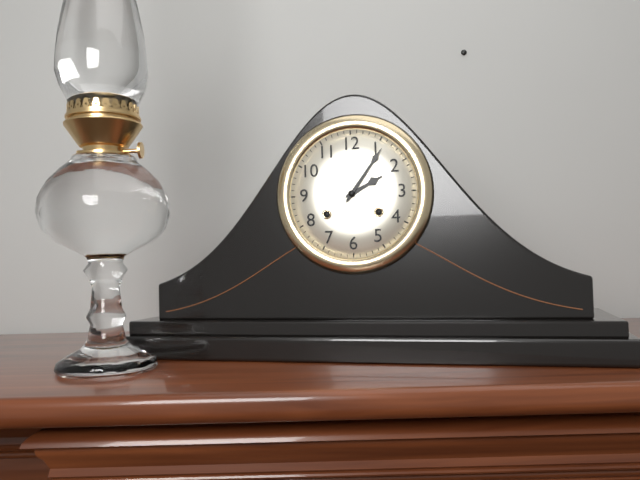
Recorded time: 2:06
